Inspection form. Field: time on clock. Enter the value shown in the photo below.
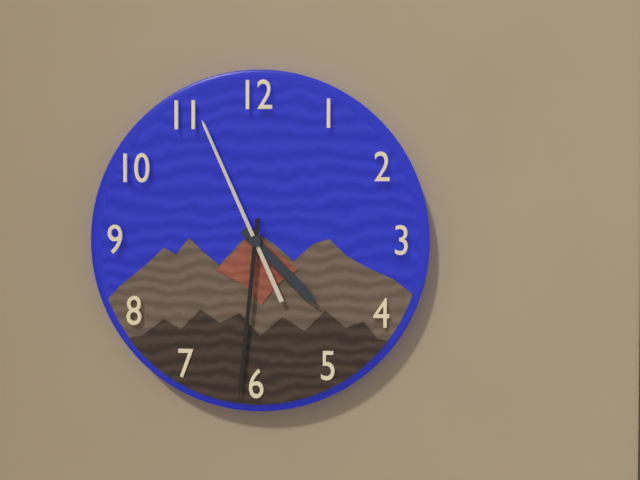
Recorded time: 4:31:56
